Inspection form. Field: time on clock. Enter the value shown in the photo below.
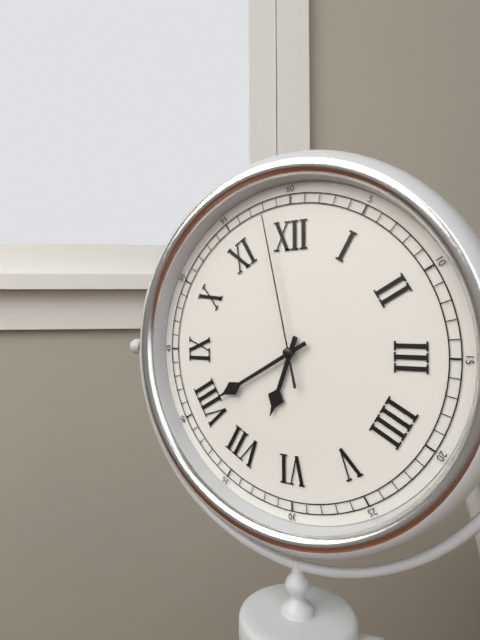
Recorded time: 6:40:58
